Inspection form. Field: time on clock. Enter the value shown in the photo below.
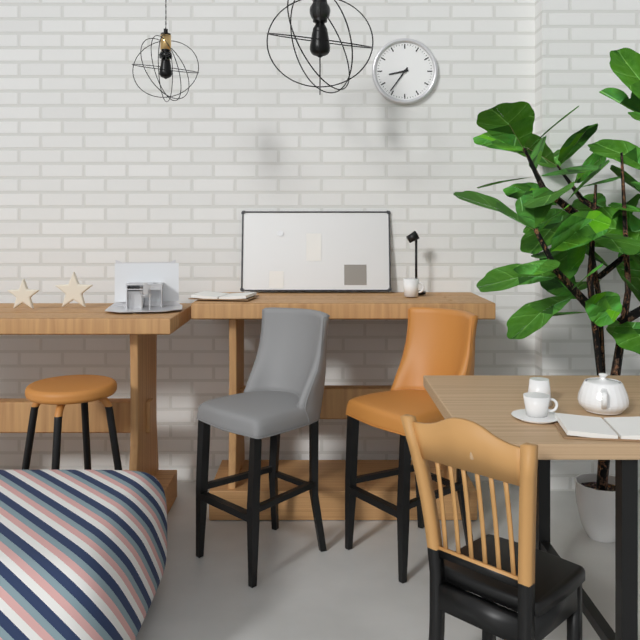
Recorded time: 8:36
